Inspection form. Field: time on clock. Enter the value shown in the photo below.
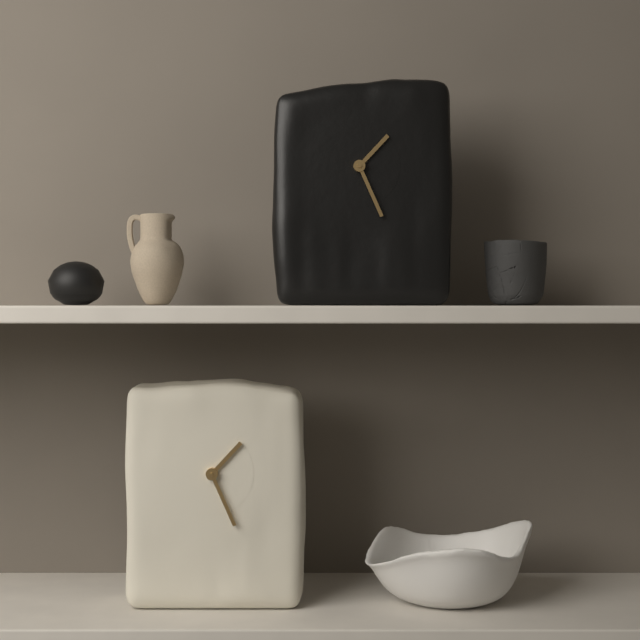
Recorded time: 1:26
